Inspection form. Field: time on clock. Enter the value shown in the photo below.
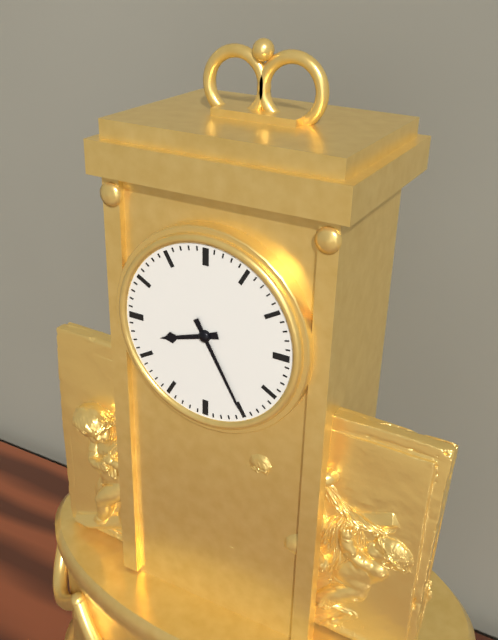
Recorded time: 8:25
